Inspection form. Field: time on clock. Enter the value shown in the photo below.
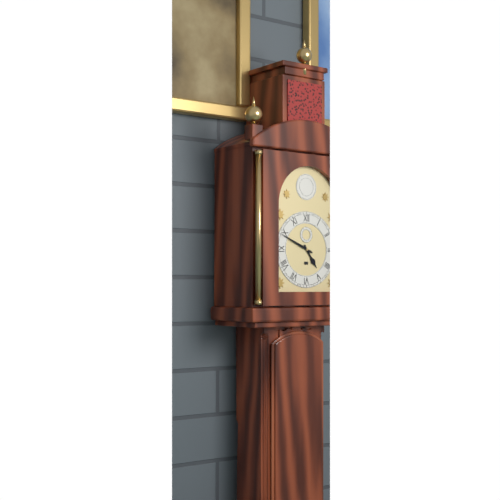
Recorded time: 4:49
